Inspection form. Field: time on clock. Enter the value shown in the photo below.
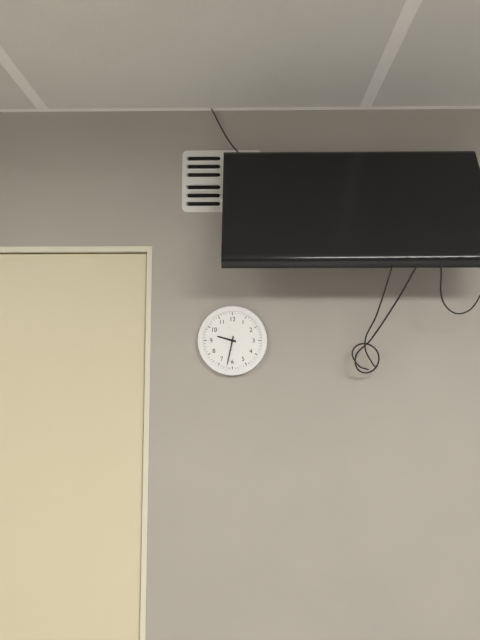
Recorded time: 9:32
